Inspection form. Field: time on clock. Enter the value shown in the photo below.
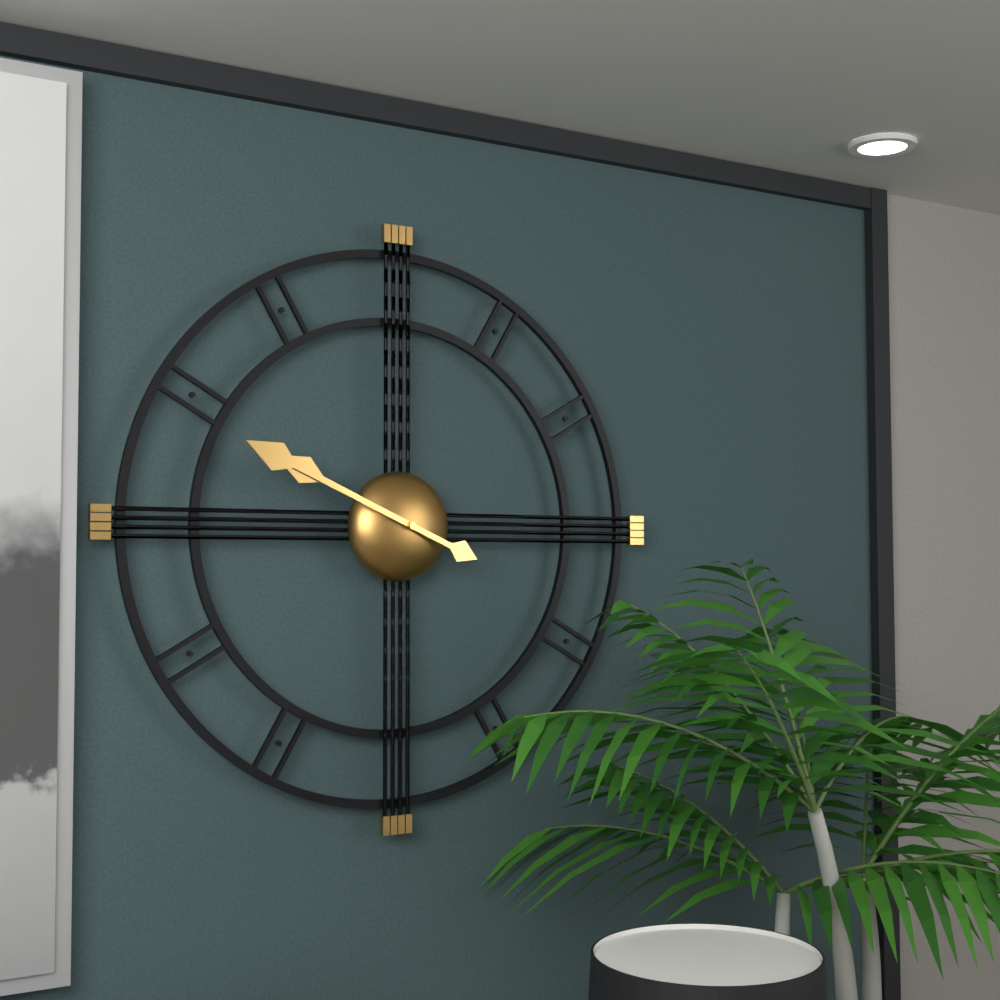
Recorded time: 9:49
